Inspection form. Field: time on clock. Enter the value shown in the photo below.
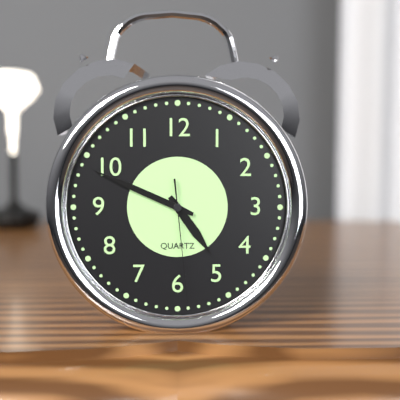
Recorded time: 4:49:29
